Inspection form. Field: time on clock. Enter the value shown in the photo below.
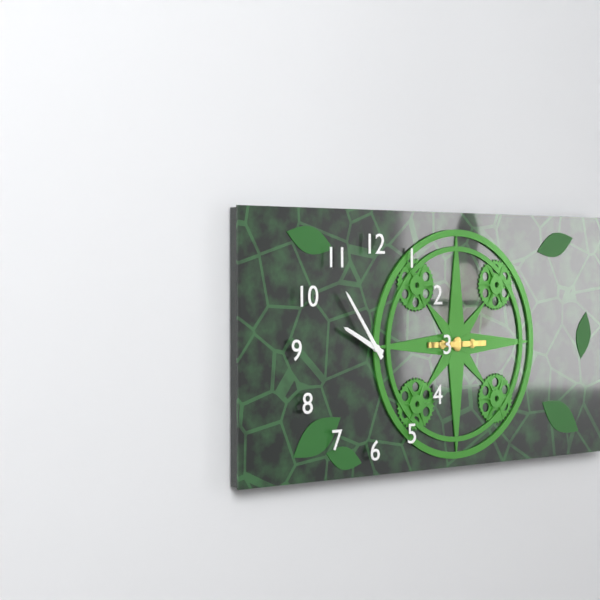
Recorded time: 9:54
